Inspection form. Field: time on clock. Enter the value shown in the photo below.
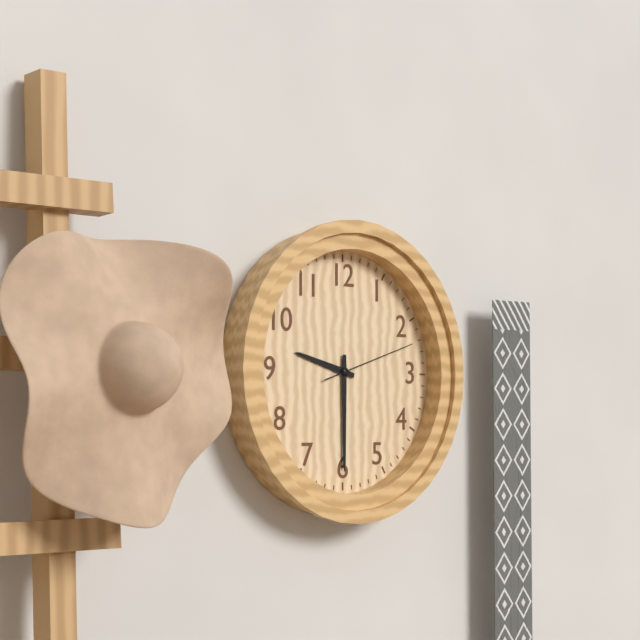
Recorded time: 9:30:12
